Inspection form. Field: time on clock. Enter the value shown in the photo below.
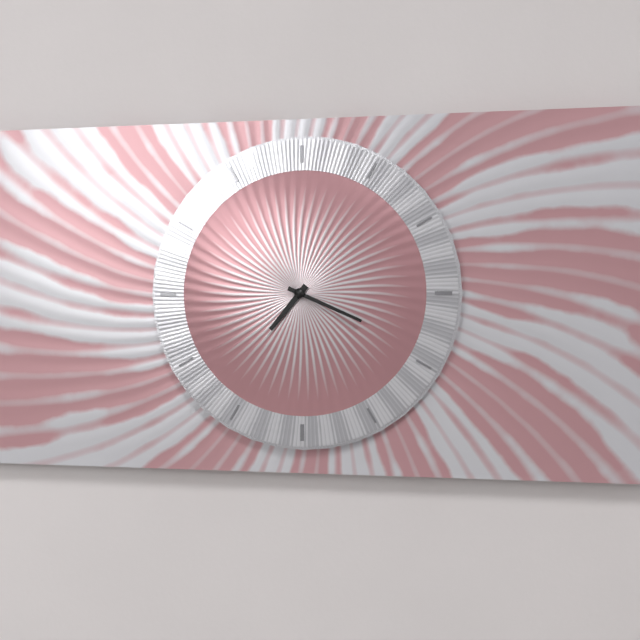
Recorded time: 7:19
